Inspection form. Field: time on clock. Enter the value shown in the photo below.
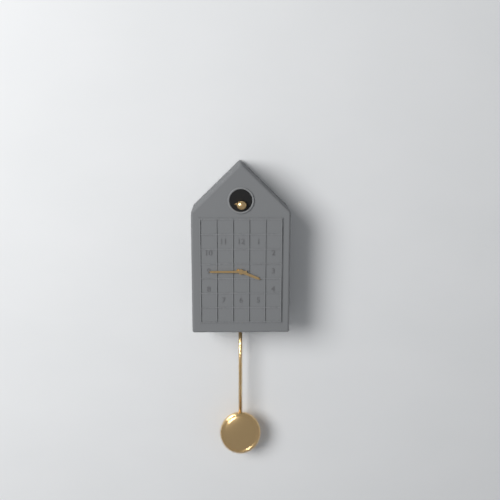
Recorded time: 3:45
